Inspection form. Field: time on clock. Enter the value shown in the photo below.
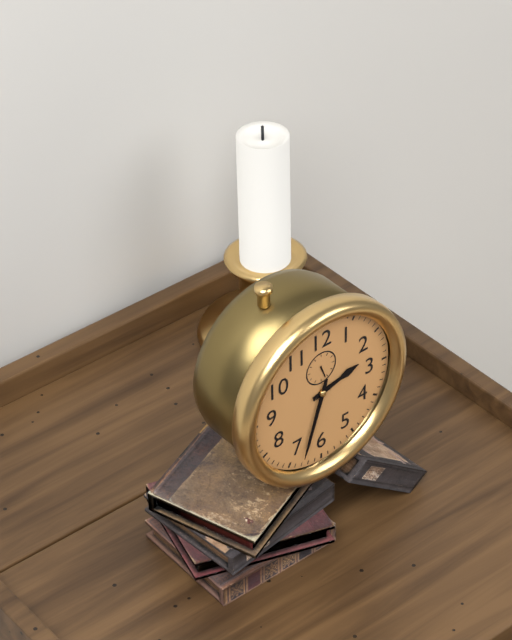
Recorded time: 2:33
